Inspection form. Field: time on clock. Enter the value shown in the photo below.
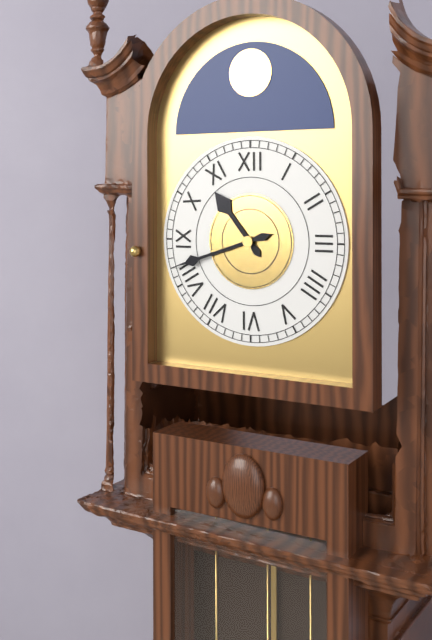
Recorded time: 10:42
